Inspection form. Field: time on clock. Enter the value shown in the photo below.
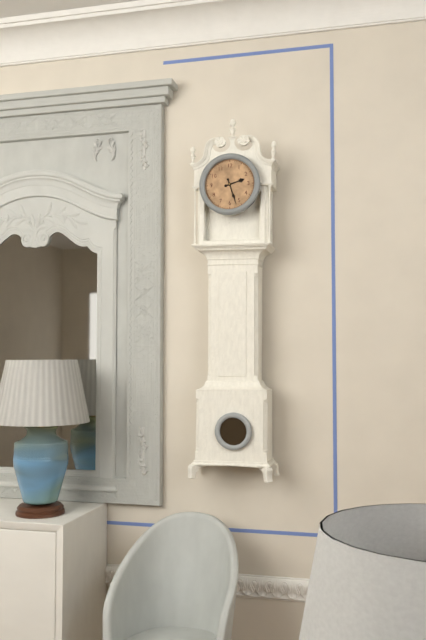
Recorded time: 2:27
